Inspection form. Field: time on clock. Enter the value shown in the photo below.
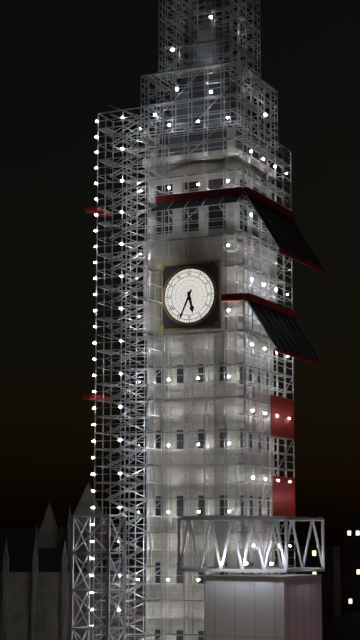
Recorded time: 5:34
